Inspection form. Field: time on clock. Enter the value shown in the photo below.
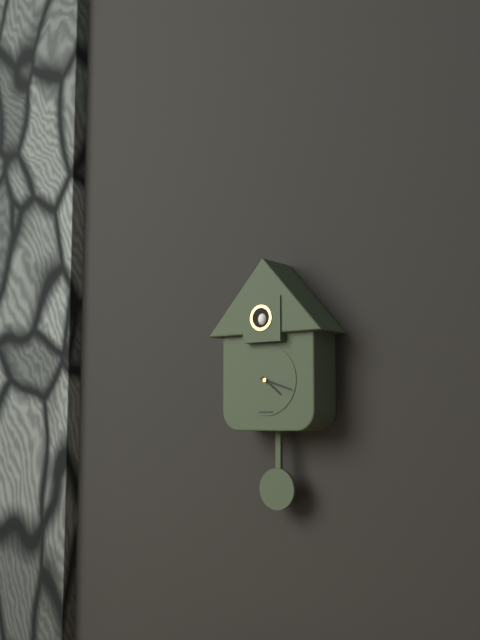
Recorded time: 4:18
